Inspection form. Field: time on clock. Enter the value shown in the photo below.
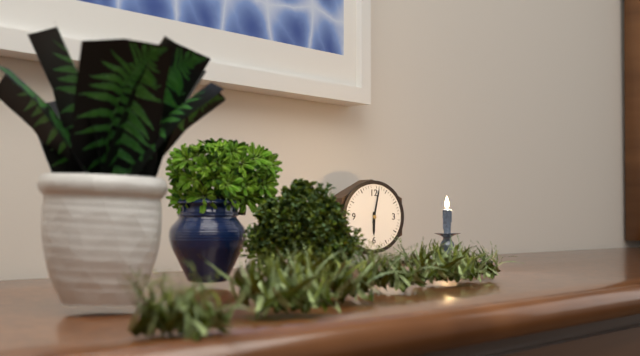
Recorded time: 6:02
